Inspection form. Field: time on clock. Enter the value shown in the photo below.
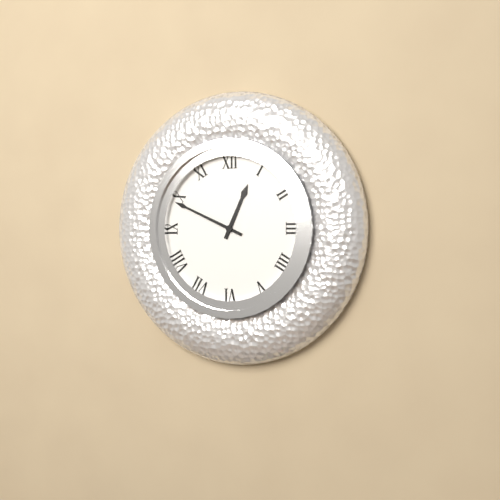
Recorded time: 12:49
